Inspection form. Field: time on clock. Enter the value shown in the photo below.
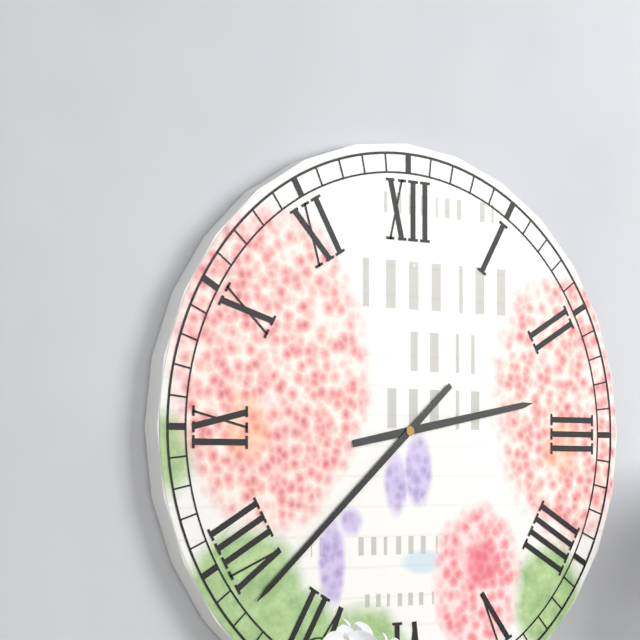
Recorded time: 2:38
